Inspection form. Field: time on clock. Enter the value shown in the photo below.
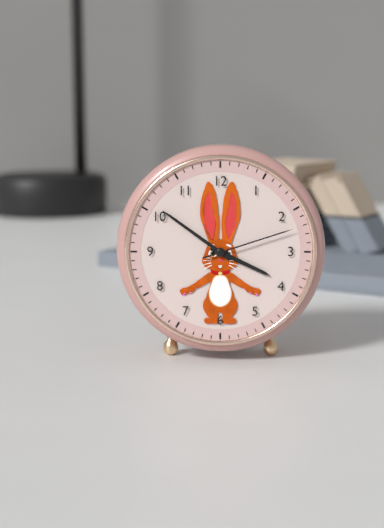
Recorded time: 3:51:12
